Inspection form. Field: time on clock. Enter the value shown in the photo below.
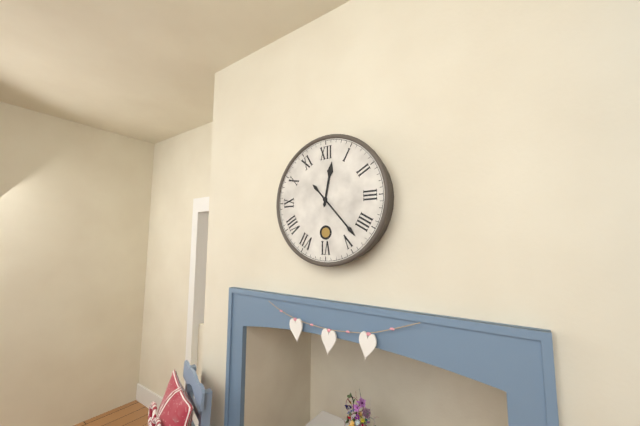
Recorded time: 12:23
